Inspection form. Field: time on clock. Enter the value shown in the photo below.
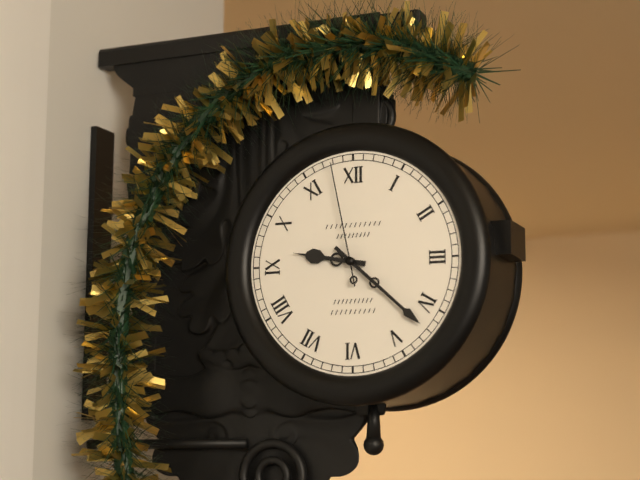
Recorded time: 9:22:58
